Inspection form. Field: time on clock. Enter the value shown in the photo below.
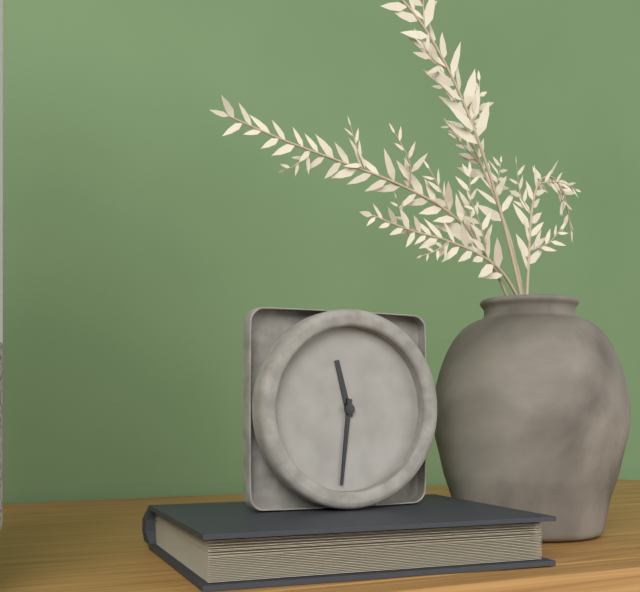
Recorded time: 11:31
